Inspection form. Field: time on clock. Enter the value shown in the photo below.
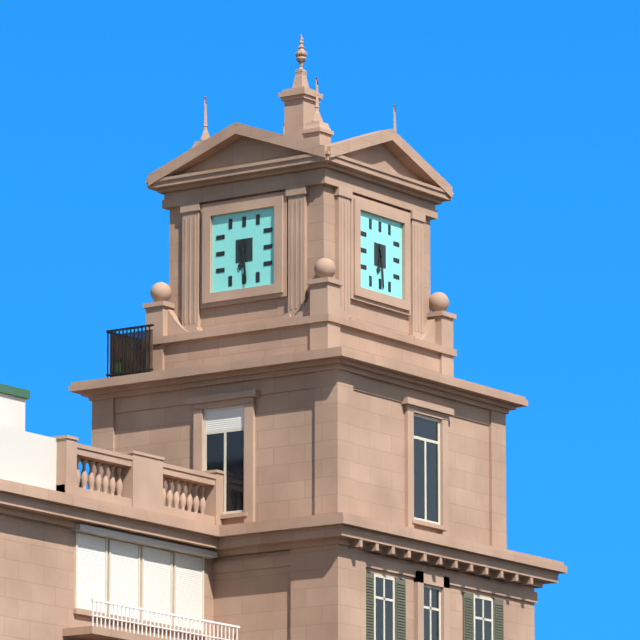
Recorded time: 6:29
